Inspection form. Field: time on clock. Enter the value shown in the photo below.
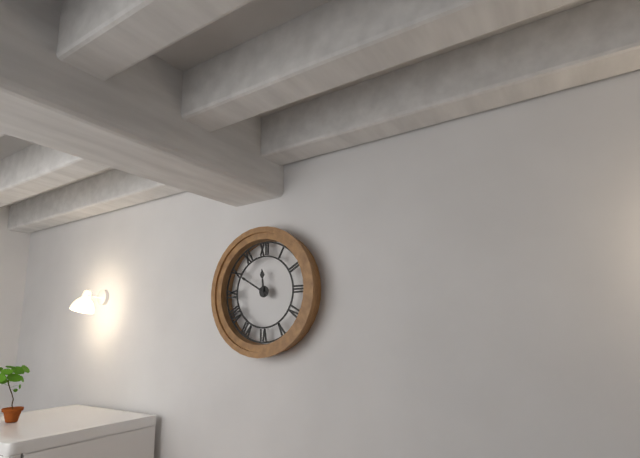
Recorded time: 11:50
